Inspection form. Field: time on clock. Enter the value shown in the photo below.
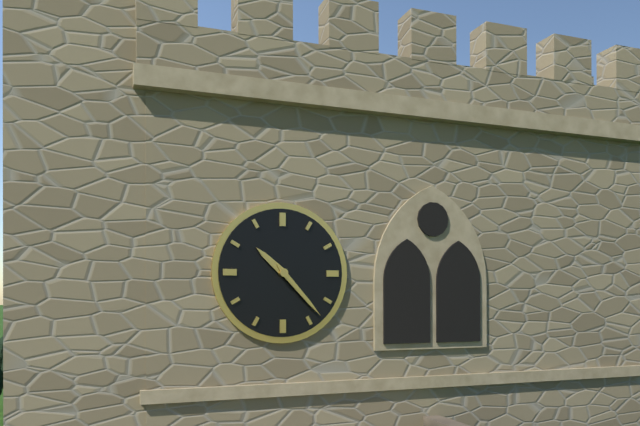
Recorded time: 10:23
